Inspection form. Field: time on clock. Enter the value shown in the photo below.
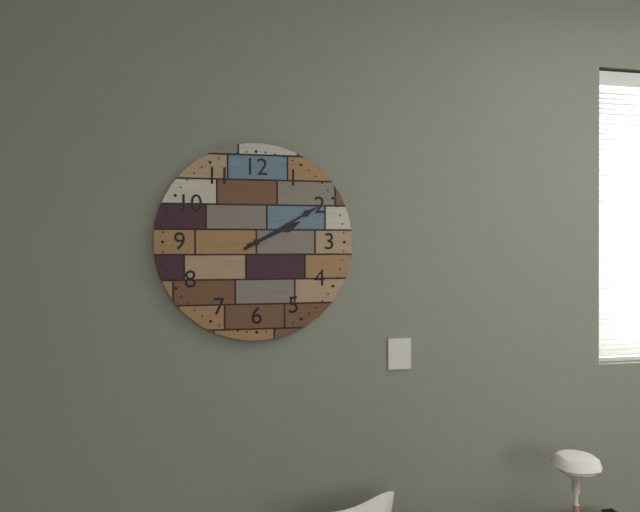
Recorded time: 2:10
